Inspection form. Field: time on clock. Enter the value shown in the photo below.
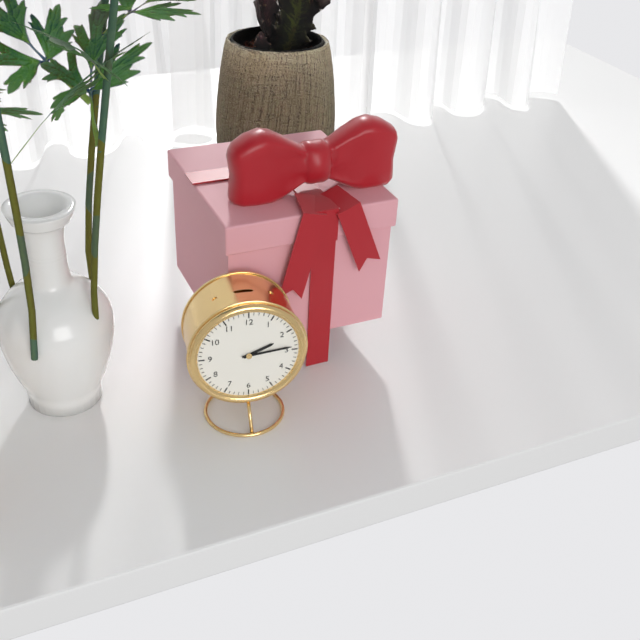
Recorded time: 2:14
